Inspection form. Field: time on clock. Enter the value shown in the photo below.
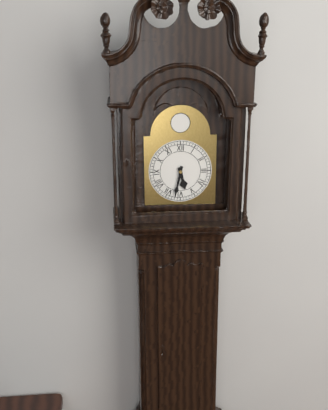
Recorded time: 5:32
